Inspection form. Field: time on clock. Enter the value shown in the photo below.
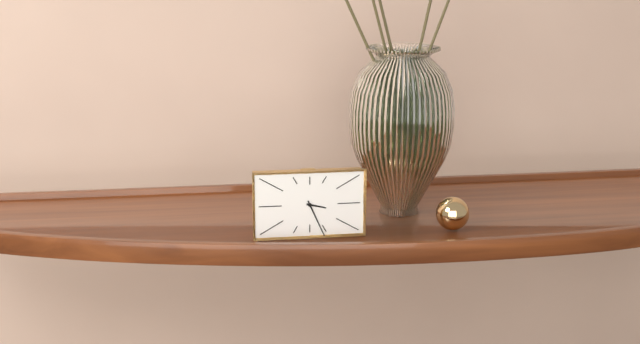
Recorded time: 3:26
